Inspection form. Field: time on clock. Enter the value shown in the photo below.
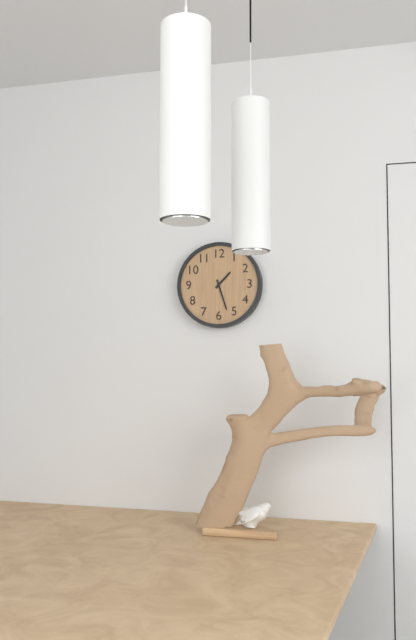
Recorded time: 1:27
